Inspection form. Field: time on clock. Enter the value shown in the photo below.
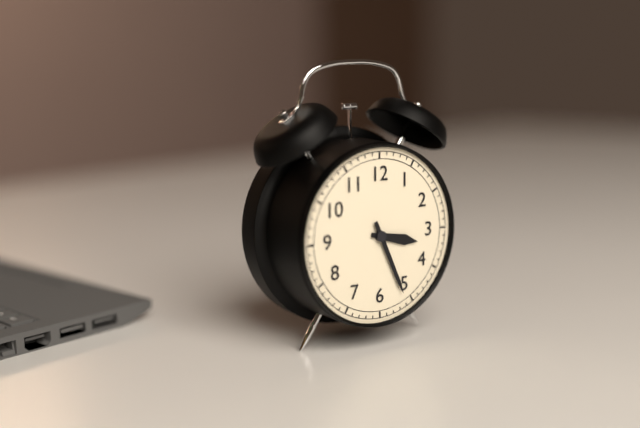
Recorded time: 3:26
